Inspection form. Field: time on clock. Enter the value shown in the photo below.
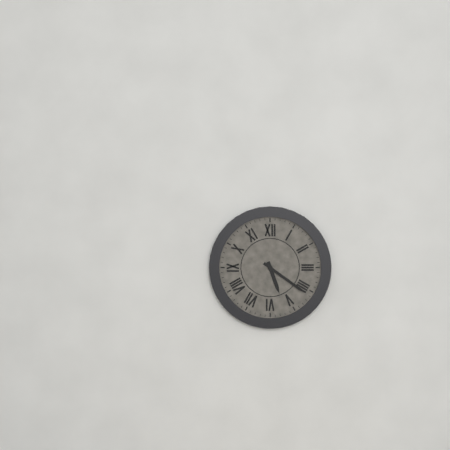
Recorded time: 5:21
